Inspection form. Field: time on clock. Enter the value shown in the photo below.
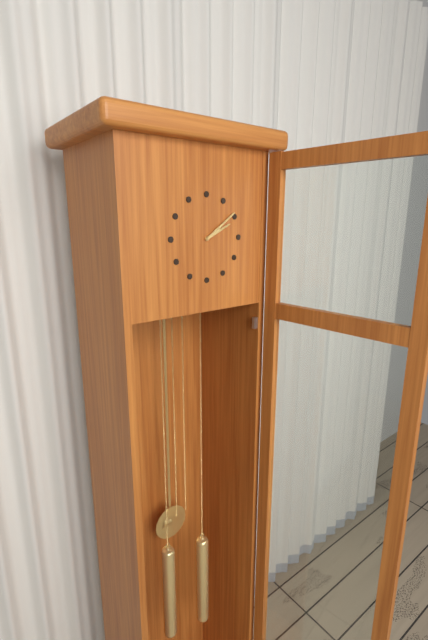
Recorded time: 2:09
